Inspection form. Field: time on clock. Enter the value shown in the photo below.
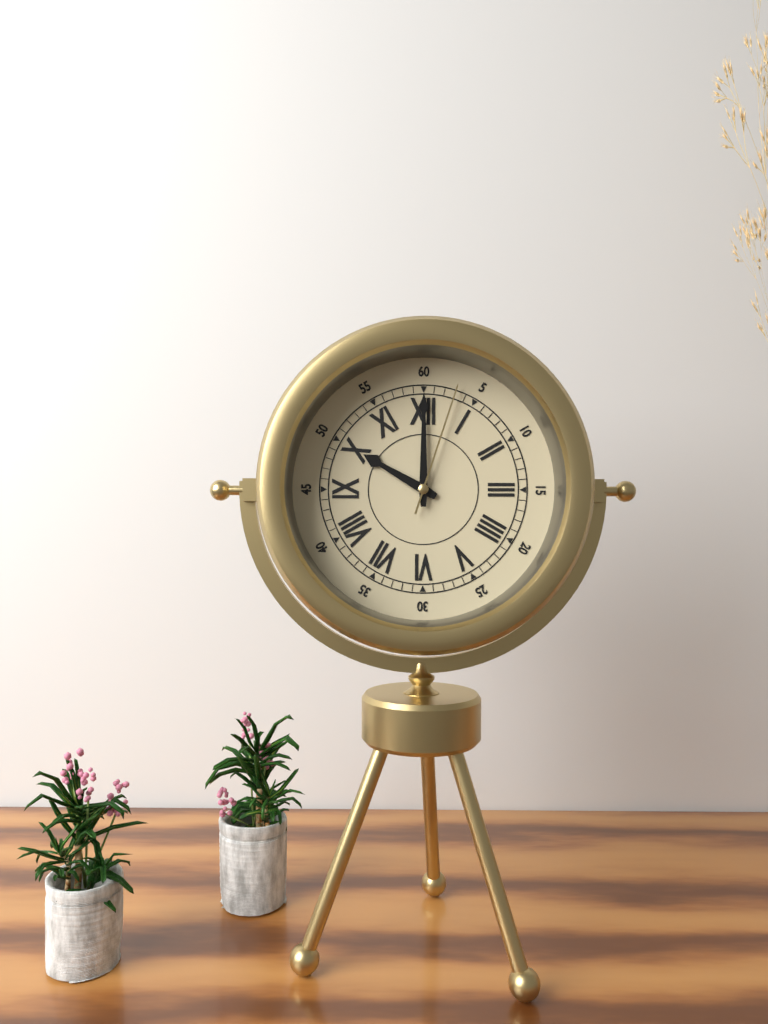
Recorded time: 10:00:03
